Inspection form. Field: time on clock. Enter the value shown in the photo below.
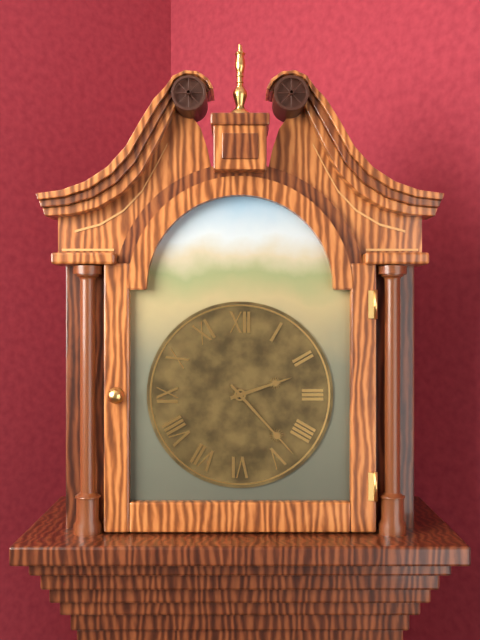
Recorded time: 2:23
